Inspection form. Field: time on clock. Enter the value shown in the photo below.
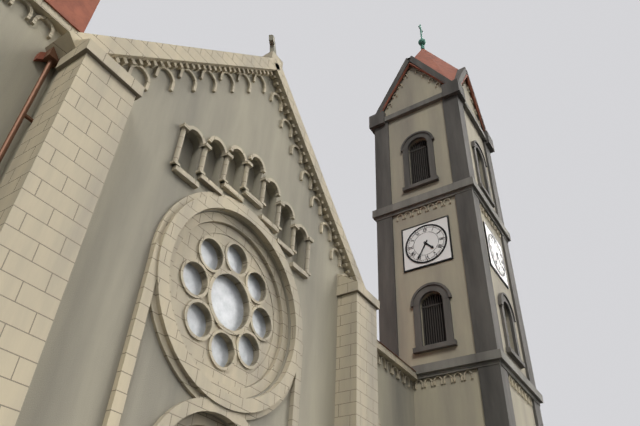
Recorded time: 4:35
